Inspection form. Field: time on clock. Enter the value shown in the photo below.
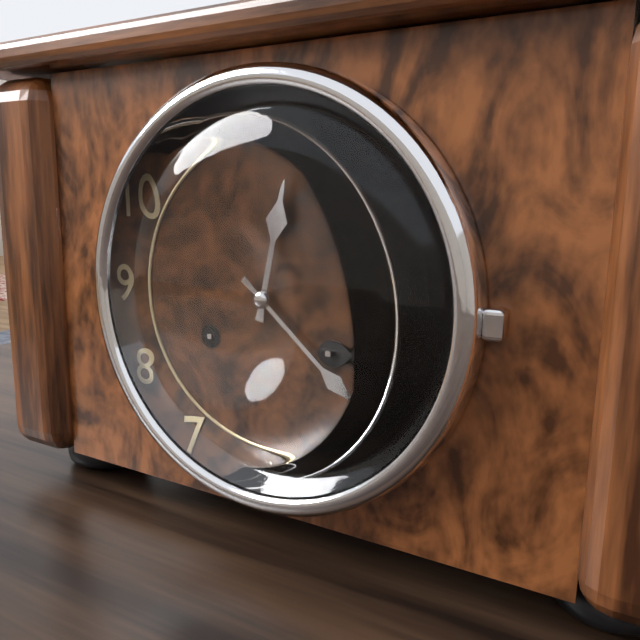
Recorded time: 12:22
